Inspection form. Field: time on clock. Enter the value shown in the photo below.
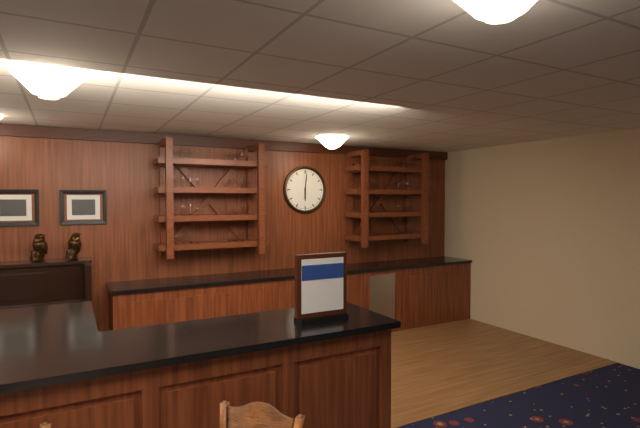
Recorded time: 6:01
